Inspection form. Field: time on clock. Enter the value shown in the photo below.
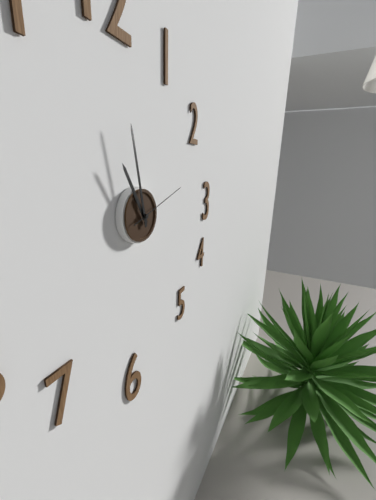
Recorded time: 10:58:12
